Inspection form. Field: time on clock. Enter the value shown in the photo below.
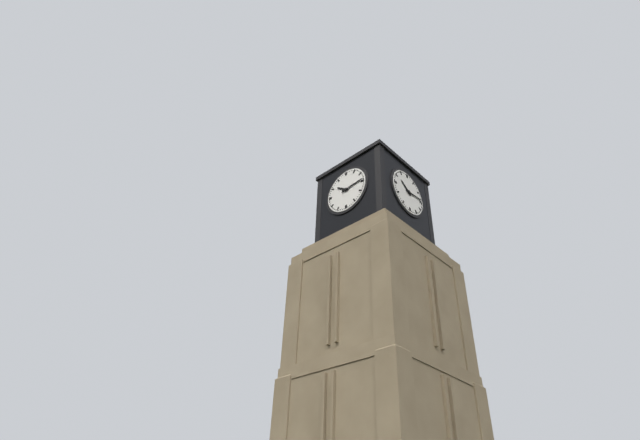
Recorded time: 10:14
